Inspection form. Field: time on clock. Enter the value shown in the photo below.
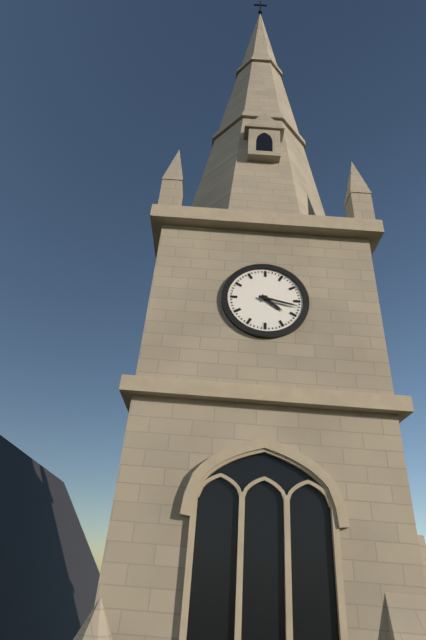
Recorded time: 4:17
